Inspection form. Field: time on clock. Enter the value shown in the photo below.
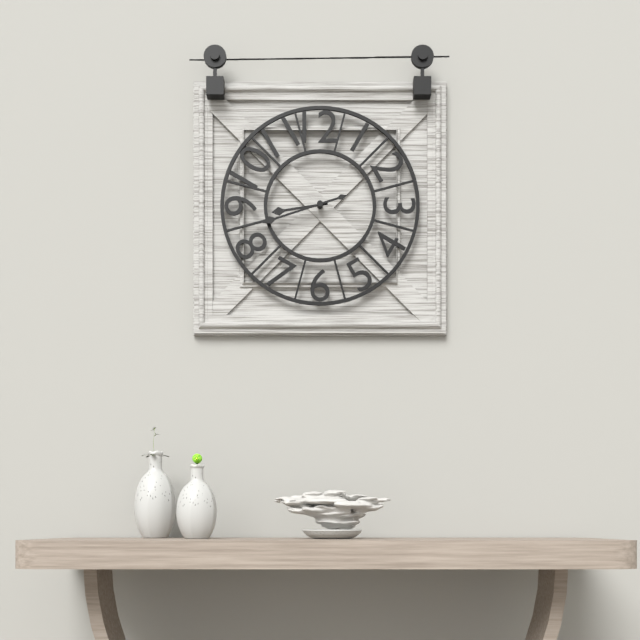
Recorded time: 8:42
